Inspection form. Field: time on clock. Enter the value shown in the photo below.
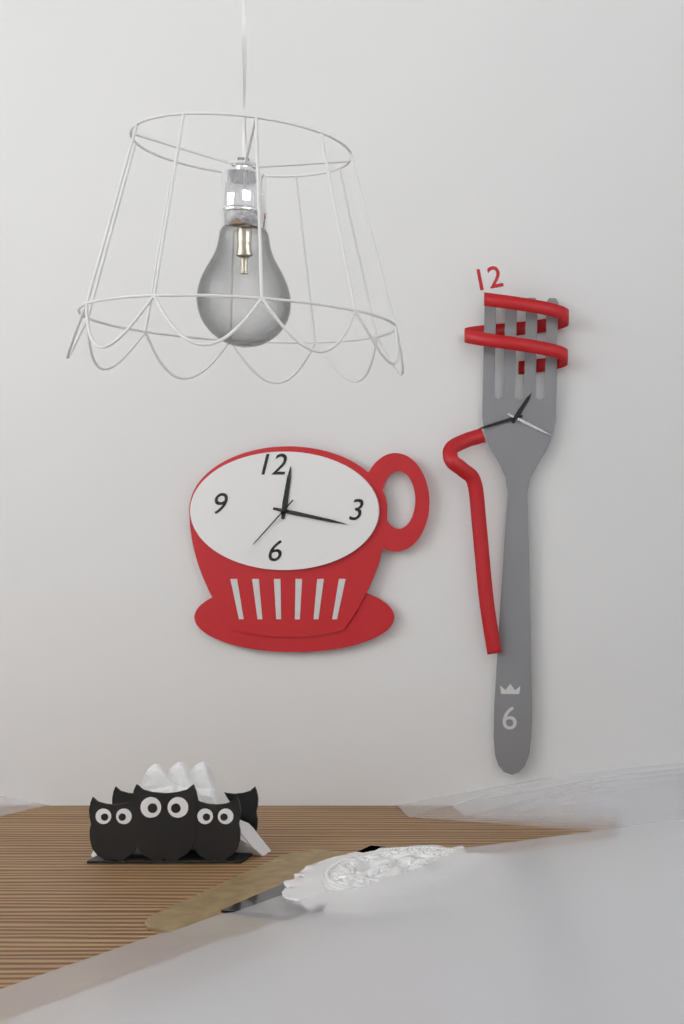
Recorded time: 12:17:37
